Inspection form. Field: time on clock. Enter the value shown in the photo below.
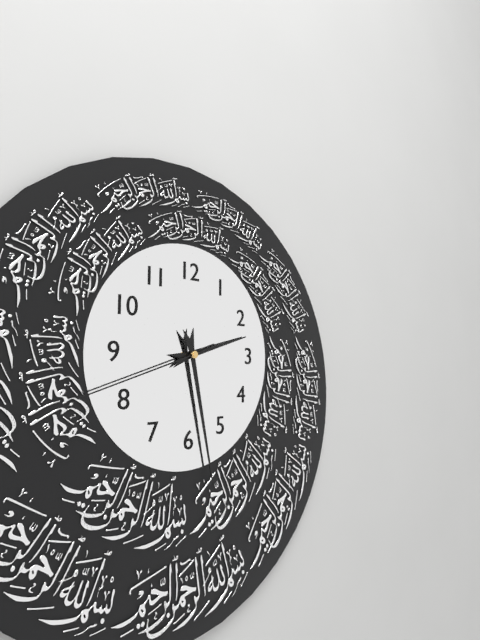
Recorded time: 2:28:42
